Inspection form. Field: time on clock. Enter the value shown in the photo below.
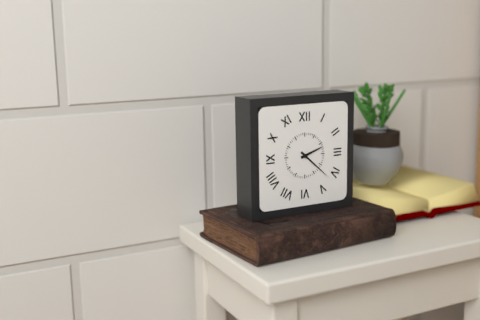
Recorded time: 2:22
